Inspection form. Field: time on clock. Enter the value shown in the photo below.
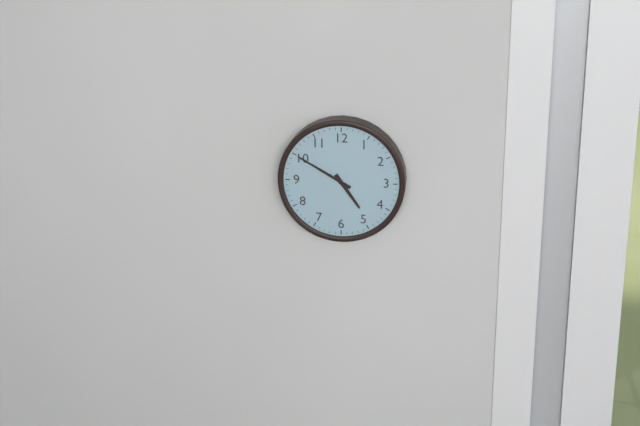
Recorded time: 4:50
